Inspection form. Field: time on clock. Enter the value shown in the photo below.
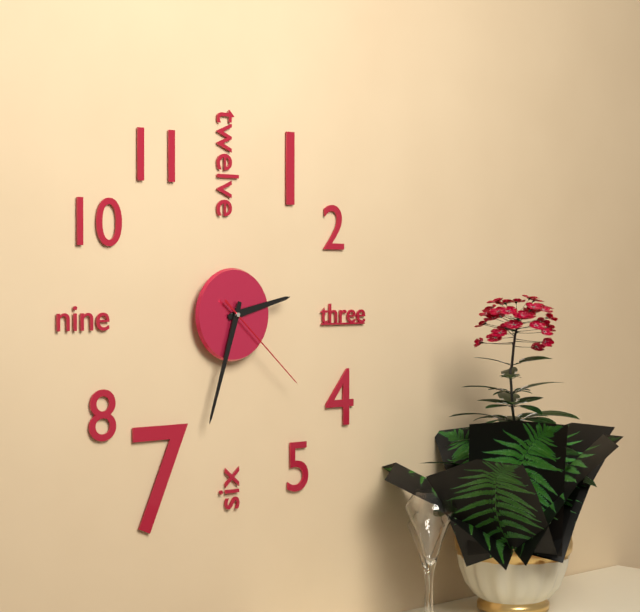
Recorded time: 2:33:22
